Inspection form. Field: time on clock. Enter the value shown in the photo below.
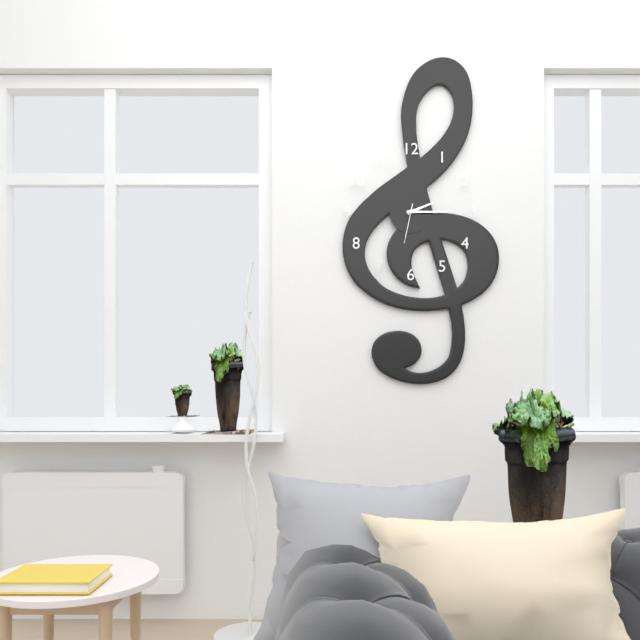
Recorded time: 2:15
